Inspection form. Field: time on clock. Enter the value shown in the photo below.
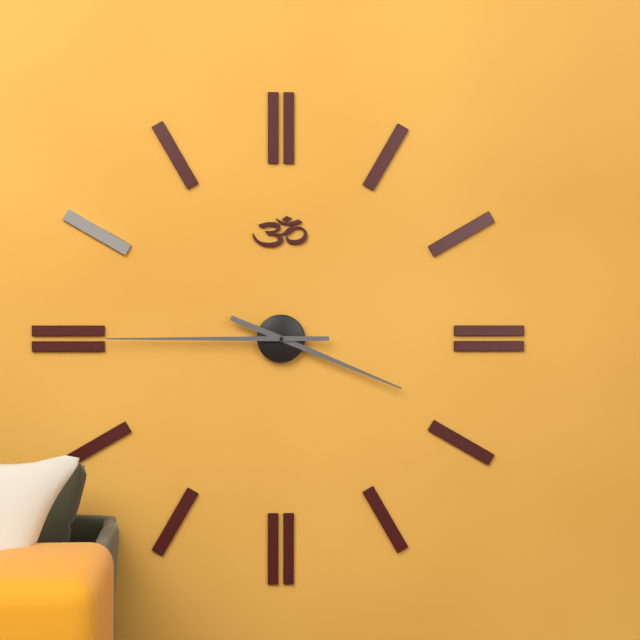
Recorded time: 3:45
